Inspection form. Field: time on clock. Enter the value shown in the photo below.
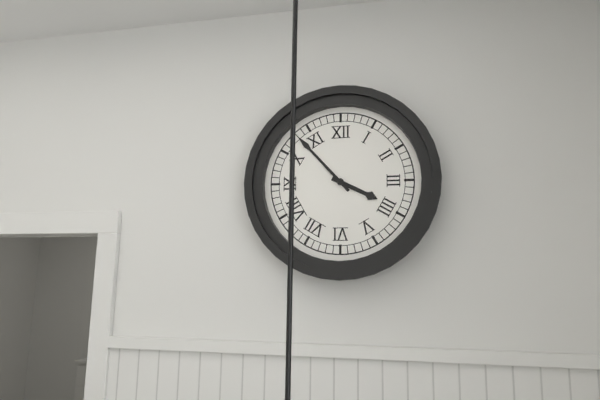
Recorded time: 3:53
